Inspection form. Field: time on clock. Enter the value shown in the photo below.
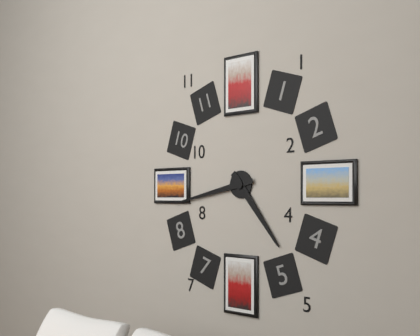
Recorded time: 4:43
